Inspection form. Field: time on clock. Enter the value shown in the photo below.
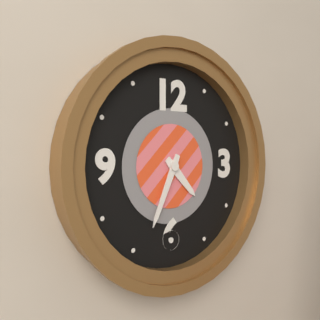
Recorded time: 4:34
